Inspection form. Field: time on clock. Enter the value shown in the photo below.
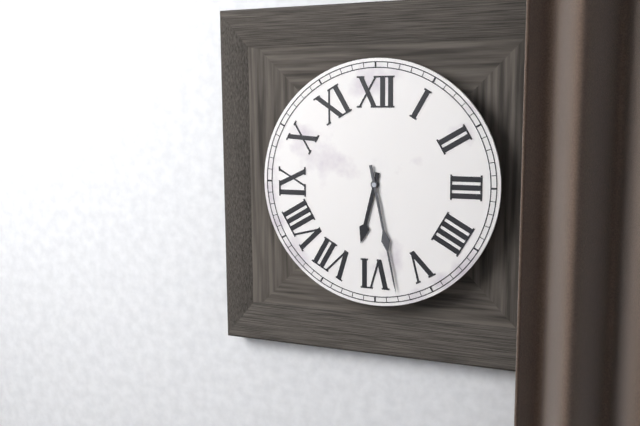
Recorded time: 6:28
